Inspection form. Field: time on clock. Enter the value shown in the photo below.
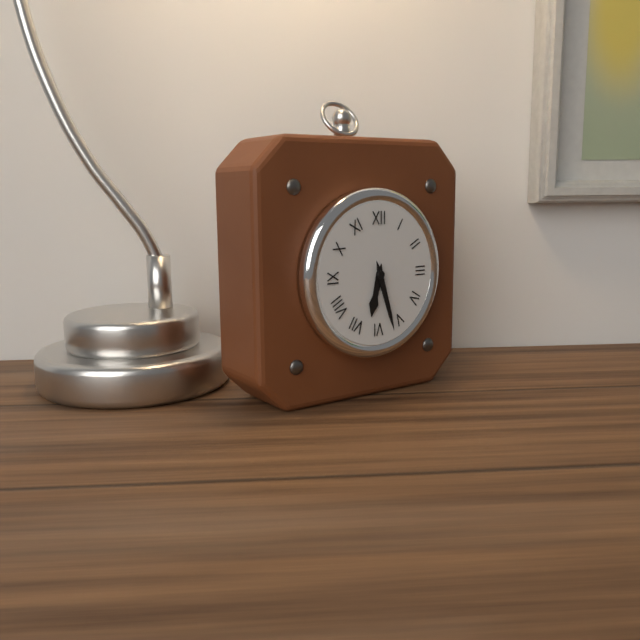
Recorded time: 6:27
